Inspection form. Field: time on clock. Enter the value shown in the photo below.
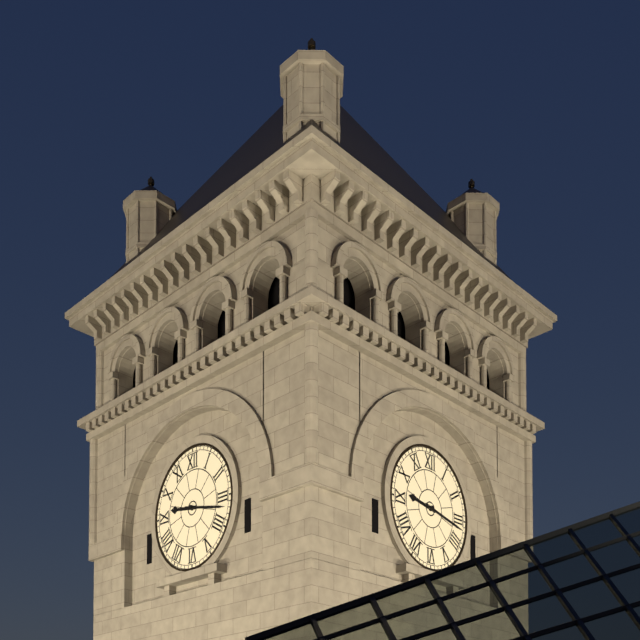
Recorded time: 9:17
